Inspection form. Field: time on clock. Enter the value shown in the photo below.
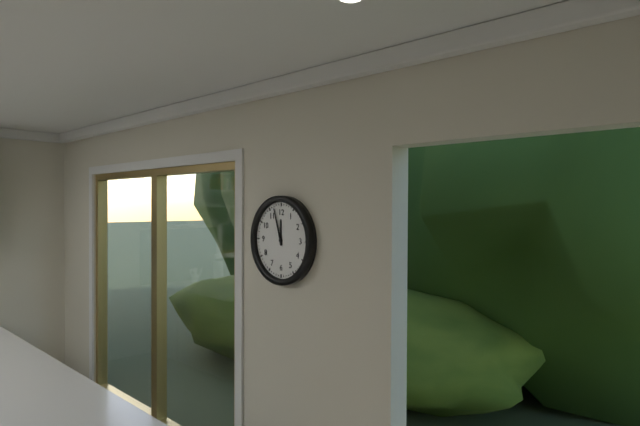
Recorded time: 11:57
